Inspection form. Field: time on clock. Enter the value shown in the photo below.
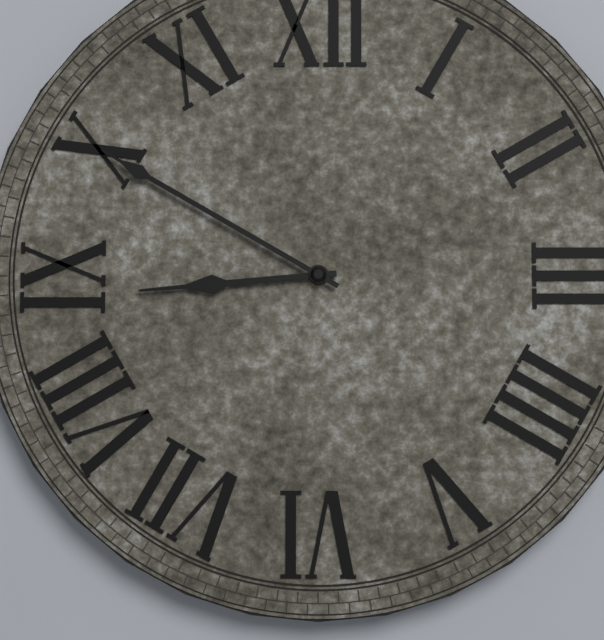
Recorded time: 8:50
